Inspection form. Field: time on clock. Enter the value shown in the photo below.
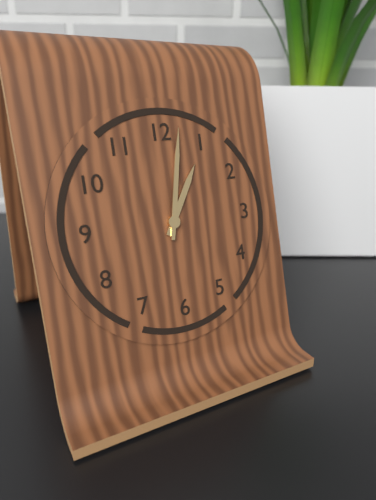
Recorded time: 1:02
